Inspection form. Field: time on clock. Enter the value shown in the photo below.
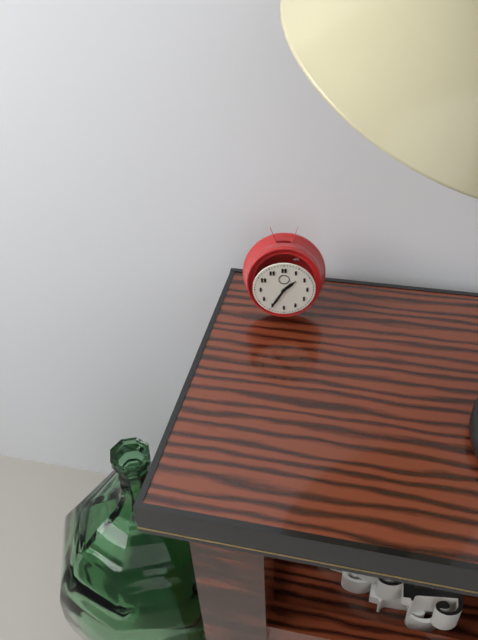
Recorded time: 1:35
